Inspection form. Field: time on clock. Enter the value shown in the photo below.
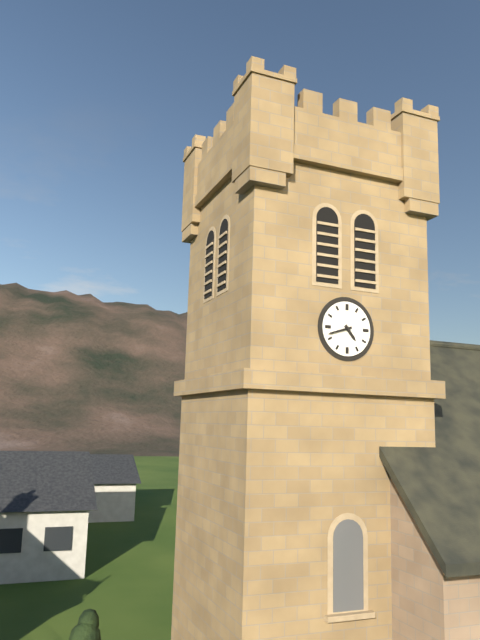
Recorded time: 4:42
